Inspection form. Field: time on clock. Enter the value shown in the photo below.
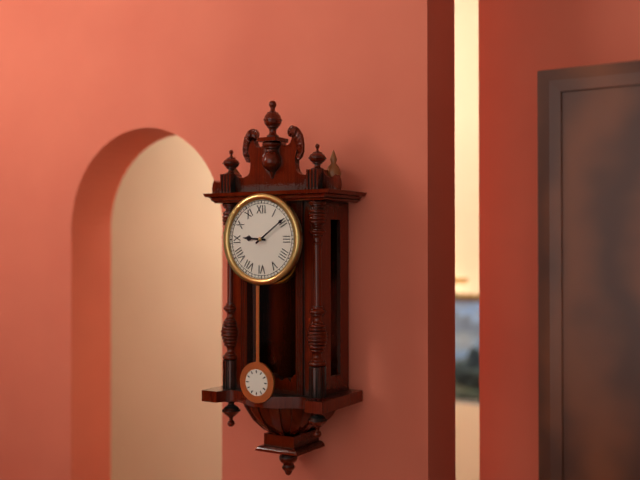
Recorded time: 9:09
